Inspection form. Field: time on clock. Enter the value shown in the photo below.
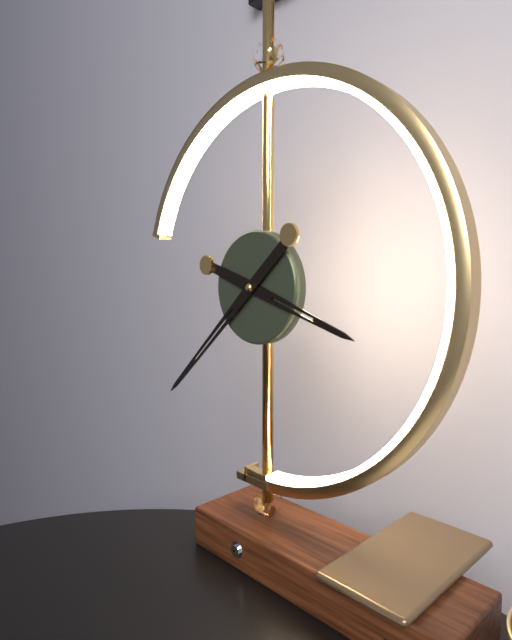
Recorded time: 3:38
